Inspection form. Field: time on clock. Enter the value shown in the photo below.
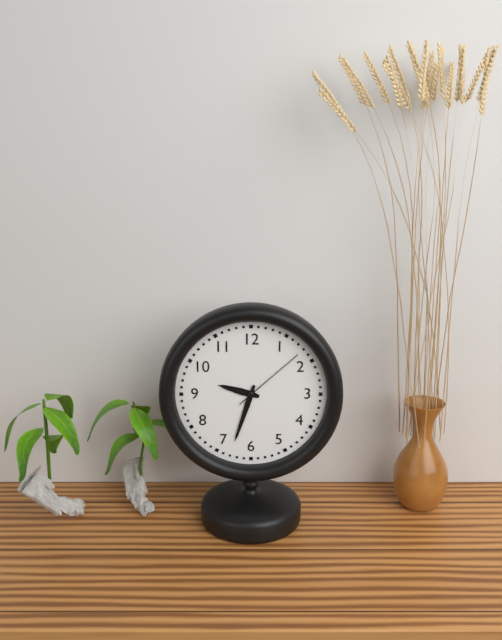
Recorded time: 9:33:08
